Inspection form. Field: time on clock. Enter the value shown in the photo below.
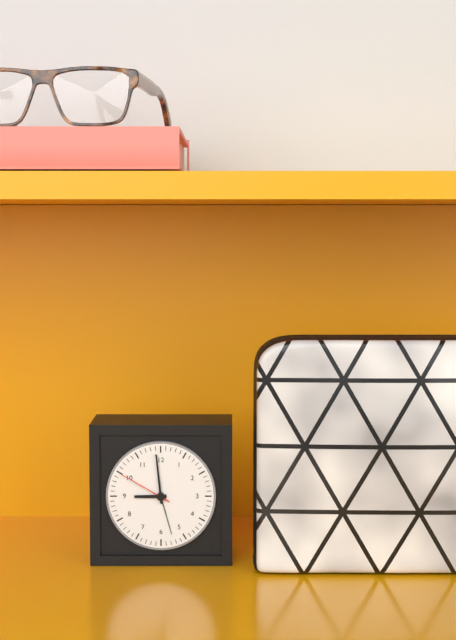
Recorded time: 8:59:50
